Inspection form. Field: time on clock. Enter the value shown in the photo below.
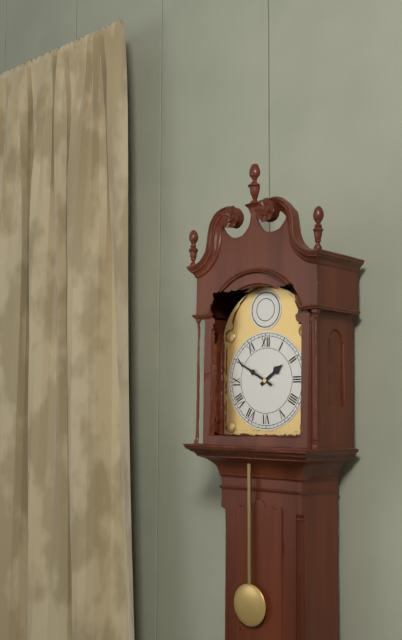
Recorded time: 1:50
